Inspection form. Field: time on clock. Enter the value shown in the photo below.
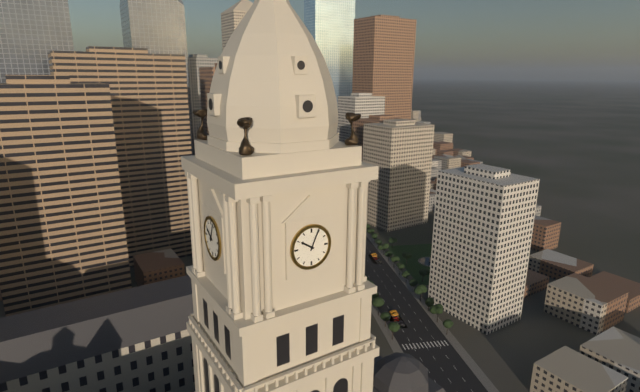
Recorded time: 10:04
